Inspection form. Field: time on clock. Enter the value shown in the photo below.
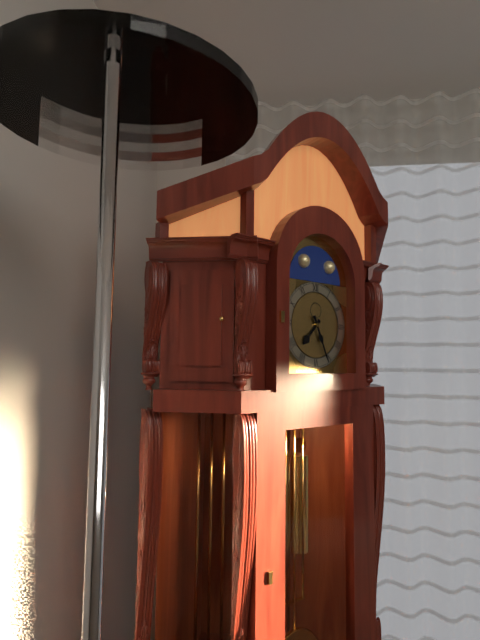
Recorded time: 7:26
